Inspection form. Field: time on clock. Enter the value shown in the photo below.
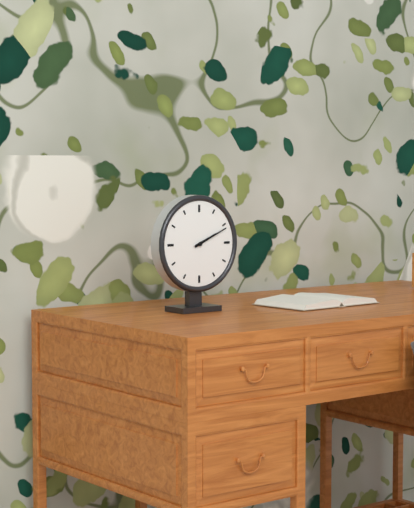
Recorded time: 2:11
